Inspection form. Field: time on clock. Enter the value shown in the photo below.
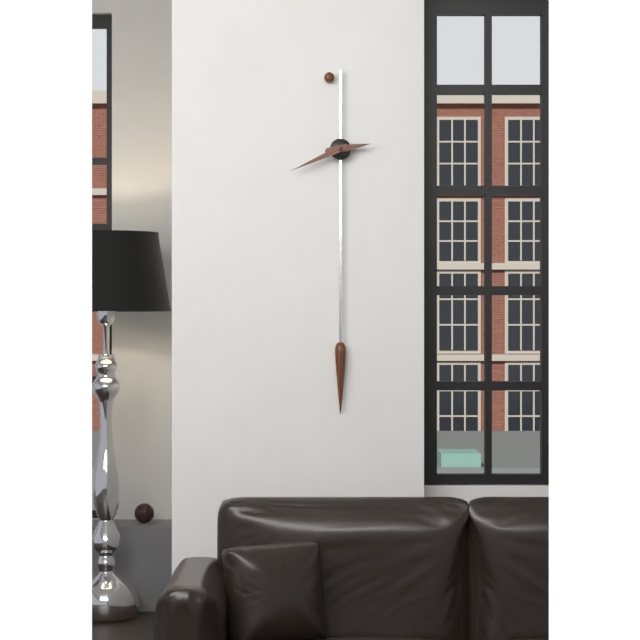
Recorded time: 2:41
